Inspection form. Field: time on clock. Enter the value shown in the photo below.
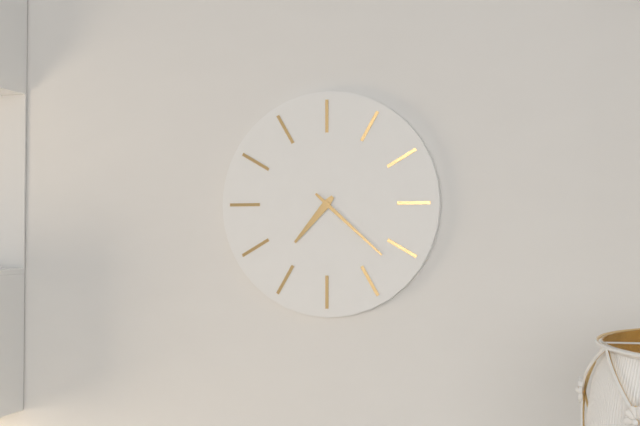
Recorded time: 7:22
